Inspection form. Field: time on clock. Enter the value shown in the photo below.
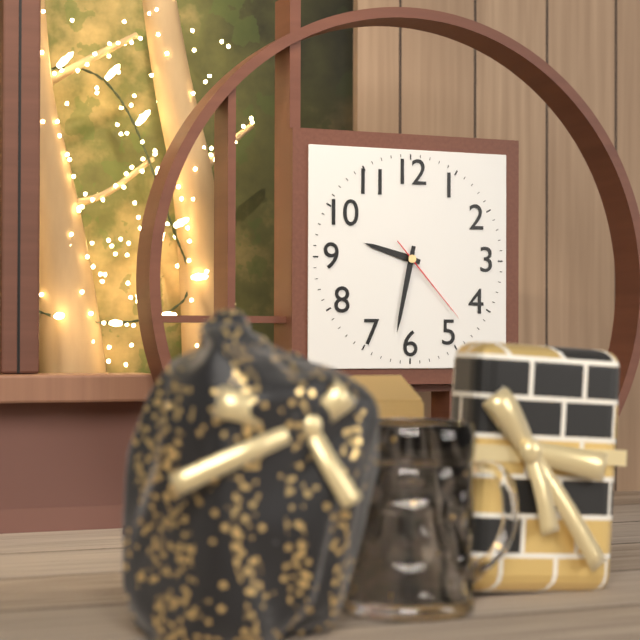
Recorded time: 9:32:23
